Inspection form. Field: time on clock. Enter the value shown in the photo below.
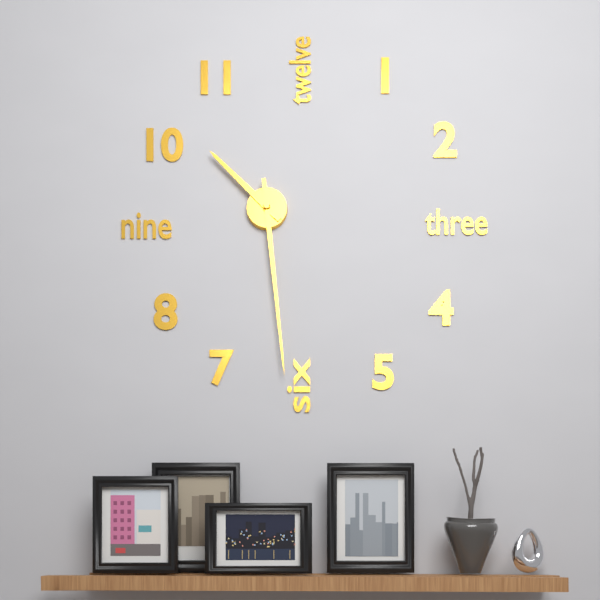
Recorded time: 10:29
